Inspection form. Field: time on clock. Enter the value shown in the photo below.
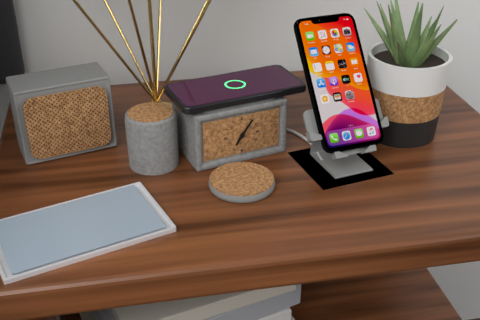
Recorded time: 7:06
